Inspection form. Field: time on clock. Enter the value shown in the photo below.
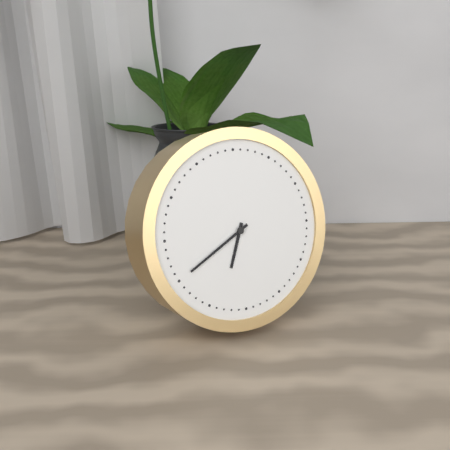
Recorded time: 6:40
